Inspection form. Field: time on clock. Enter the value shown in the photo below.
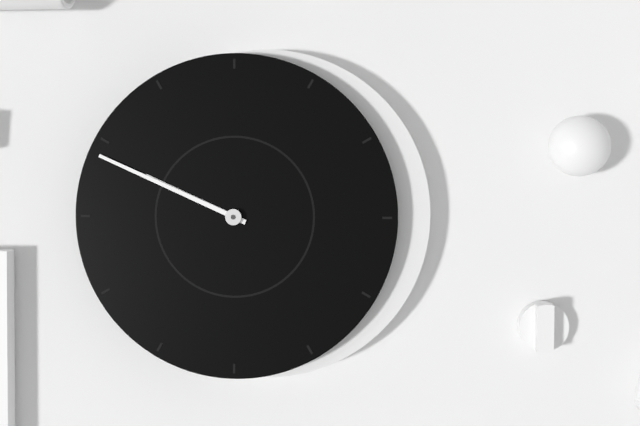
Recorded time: 9:49
